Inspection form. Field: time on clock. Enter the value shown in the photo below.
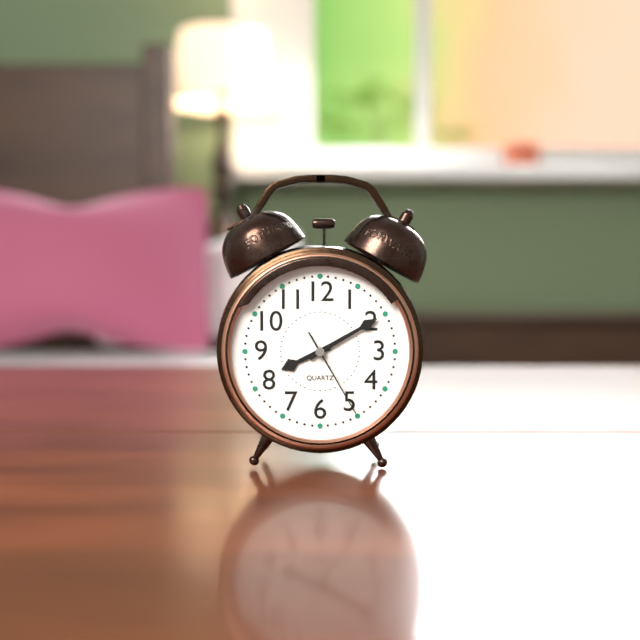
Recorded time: 8:10:25
